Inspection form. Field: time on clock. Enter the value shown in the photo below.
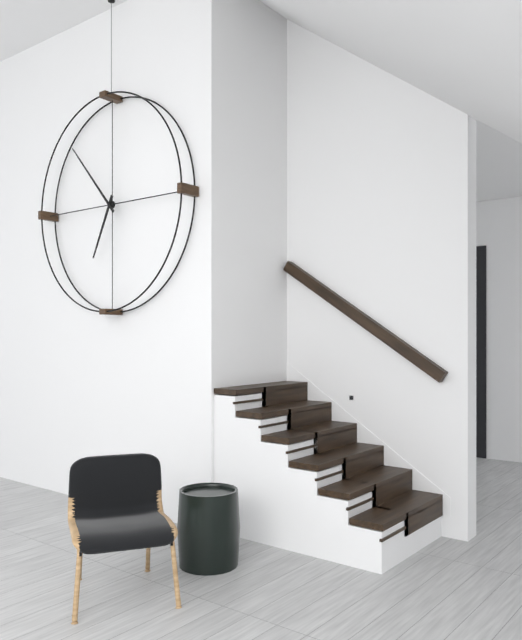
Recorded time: 6:53
